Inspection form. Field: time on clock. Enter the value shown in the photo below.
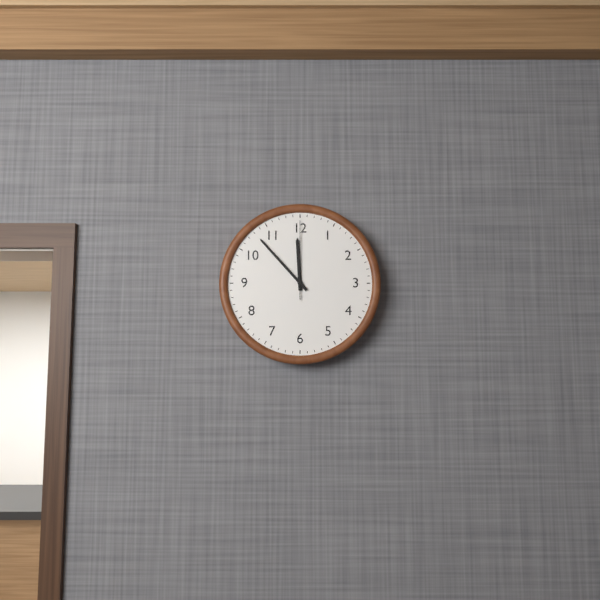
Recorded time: 11:53:00
